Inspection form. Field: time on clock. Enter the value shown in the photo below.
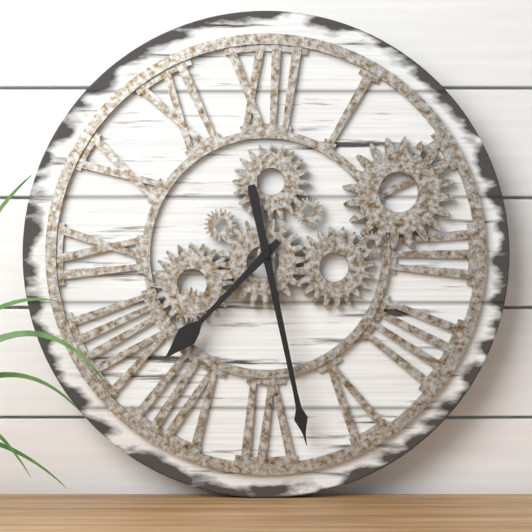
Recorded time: 7:28
